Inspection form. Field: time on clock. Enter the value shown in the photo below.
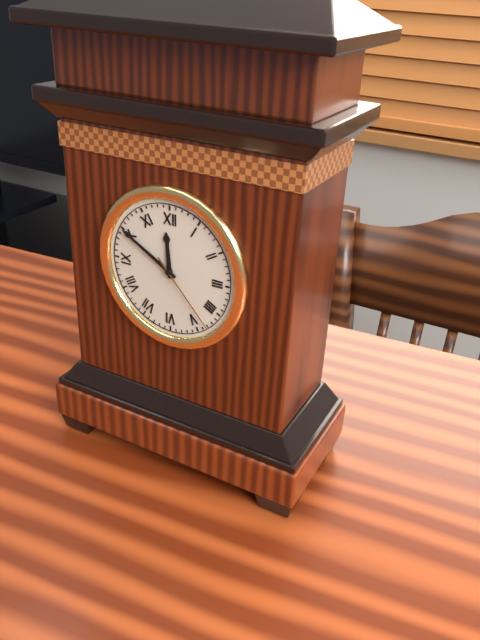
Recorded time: 11:50:23
